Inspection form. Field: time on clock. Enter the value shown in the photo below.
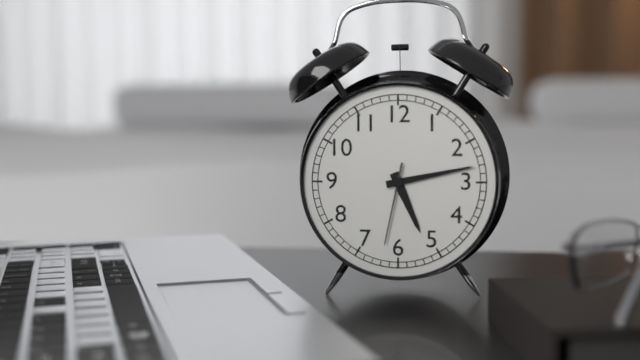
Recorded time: 5:13:32
